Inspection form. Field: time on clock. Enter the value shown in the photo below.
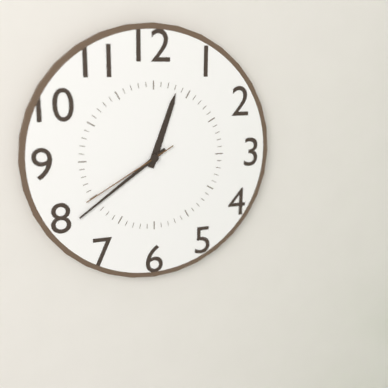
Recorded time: 12:39:40
